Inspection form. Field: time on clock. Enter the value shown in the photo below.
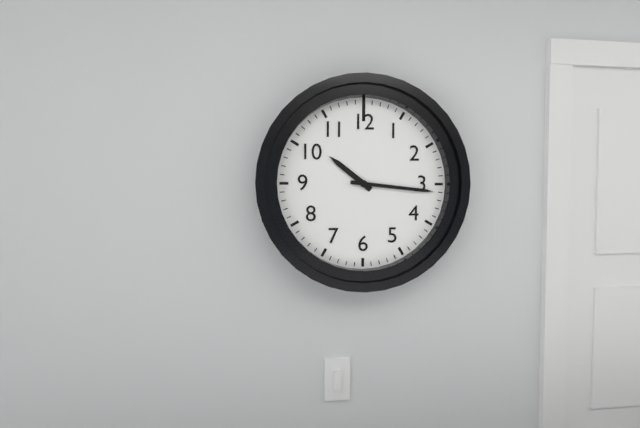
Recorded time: 10:16
